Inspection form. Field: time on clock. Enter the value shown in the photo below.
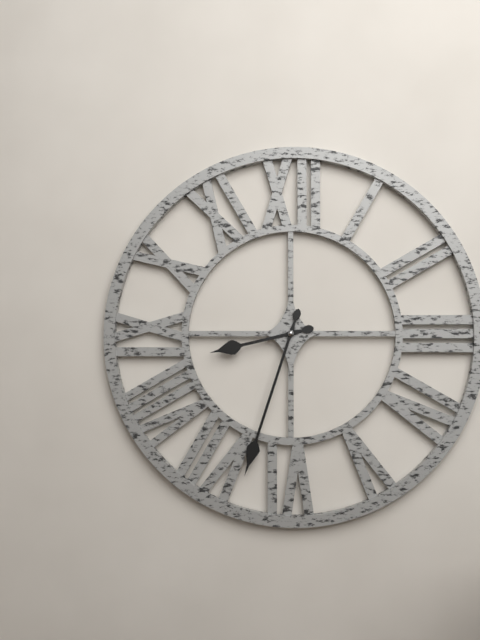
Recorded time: 8:33
